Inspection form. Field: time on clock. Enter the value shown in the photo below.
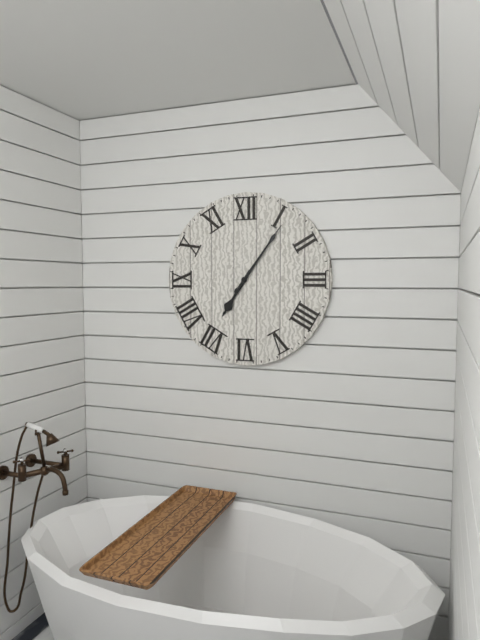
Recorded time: 7:06
